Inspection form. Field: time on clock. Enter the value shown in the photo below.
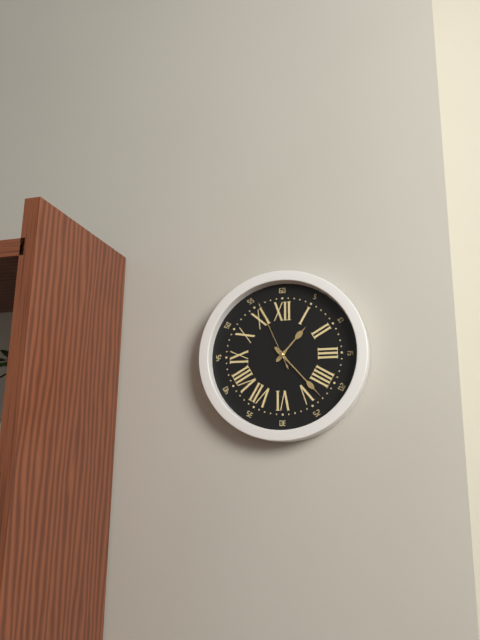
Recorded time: 1:23:56
